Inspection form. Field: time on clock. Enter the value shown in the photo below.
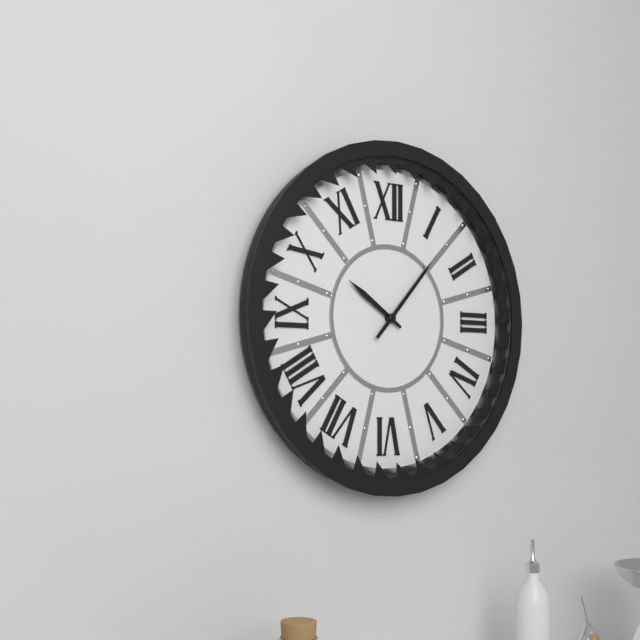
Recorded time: 10:07
